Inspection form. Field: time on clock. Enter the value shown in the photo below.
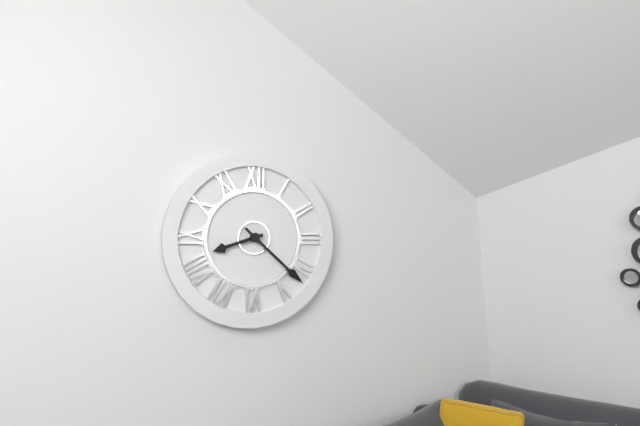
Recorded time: 8:22
